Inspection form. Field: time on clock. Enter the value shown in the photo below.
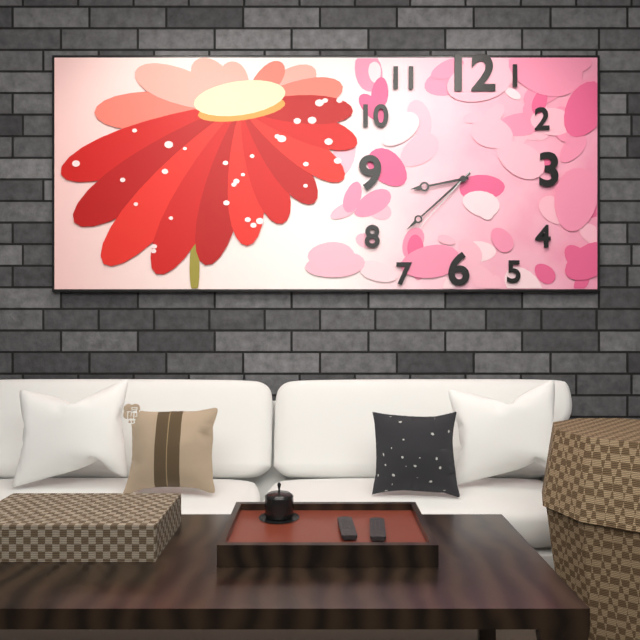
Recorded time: 8:38:37
